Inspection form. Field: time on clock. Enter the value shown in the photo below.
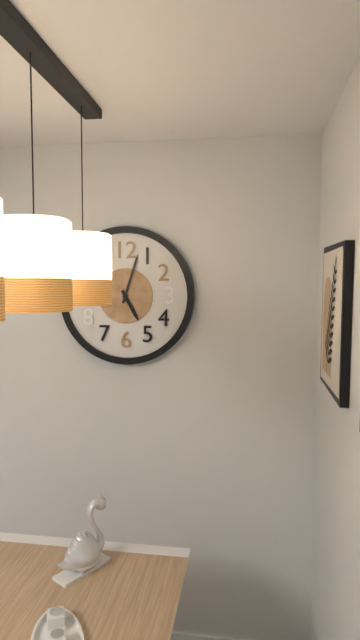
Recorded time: 5:03
